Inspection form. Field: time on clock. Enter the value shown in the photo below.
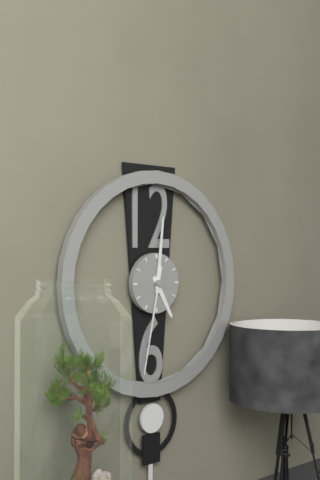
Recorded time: 5:01:32
